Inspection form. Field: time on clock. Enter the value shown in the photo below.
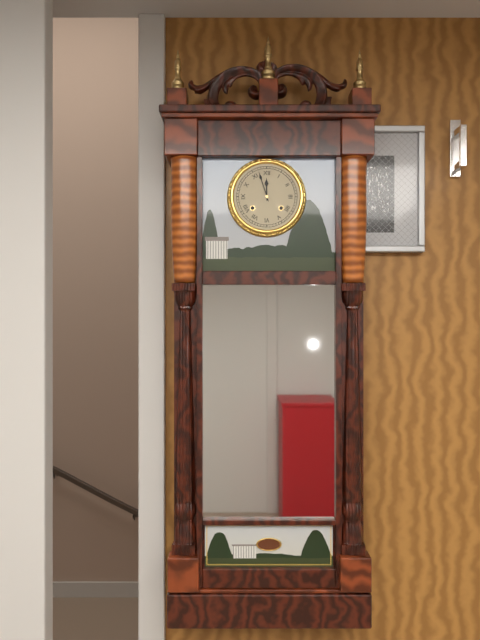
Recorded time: 11:57
